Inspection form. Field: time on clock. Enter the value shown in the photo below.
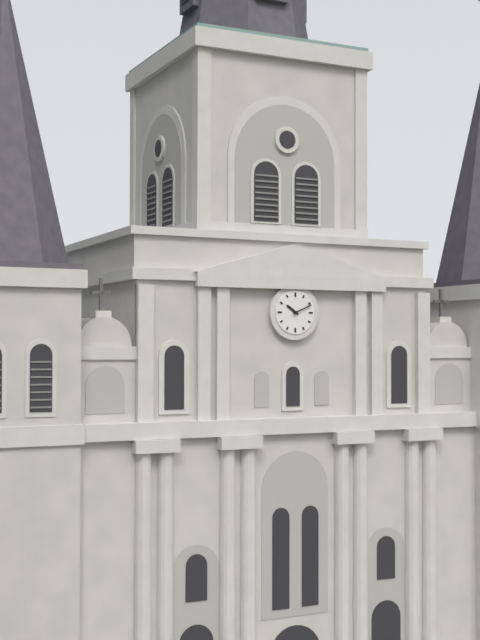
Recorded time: 10:11
